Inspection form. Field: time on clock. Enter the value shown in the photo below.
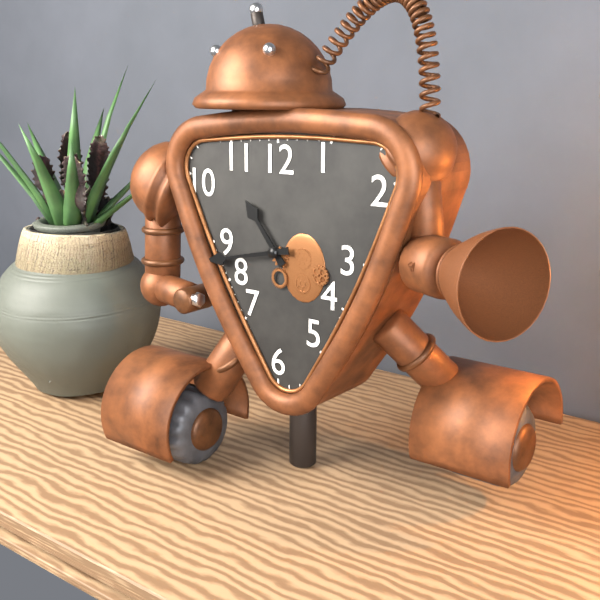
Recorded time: 10:43
